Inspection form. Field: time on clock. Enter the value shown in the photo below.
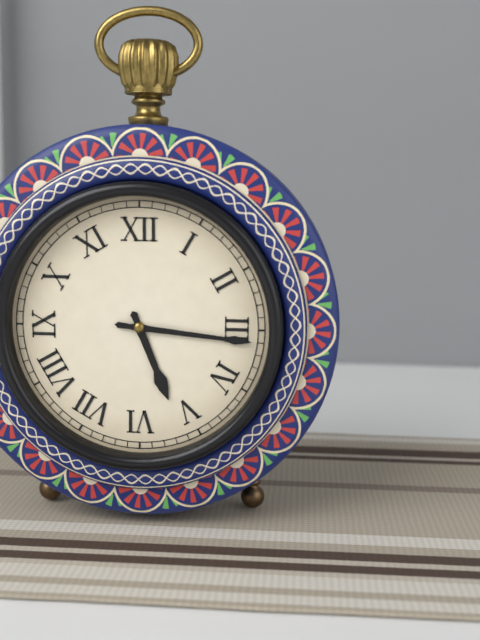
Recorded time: 5:16
